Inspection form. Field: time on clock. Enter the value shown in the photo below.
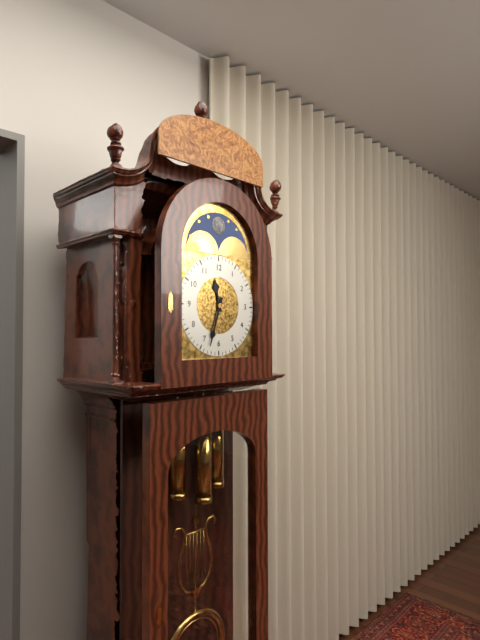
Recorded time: 11:33
